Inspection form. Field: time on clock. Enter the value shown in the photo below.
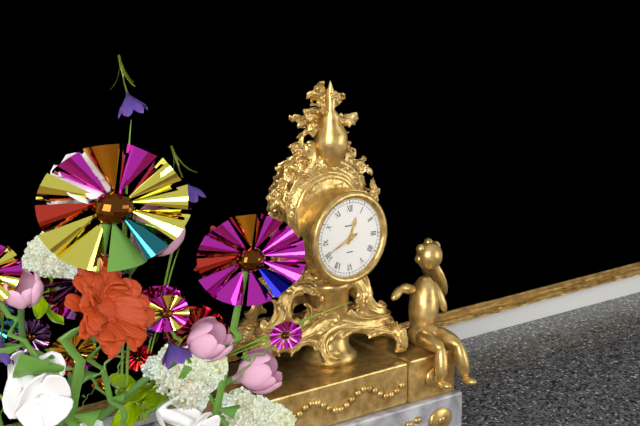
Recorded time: 12:41
